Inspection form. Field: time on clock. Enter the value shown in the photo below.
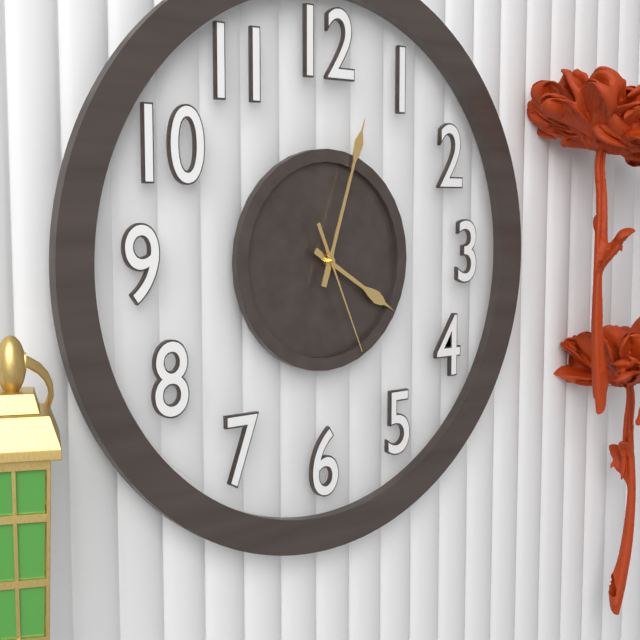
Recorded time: 4:03:26
